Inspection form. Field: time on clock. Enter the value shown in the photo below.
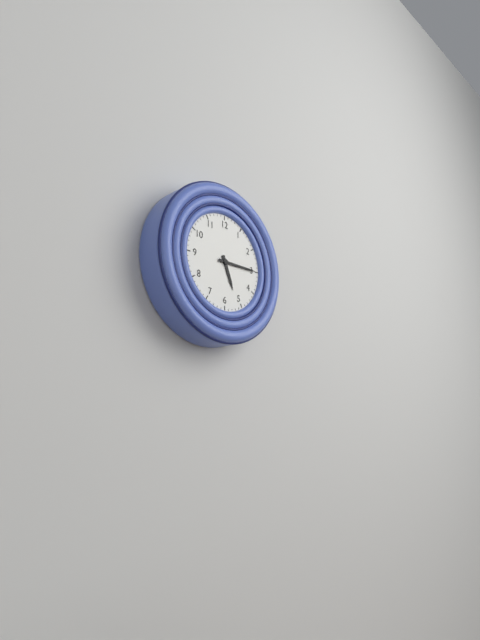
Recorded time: 5:15
